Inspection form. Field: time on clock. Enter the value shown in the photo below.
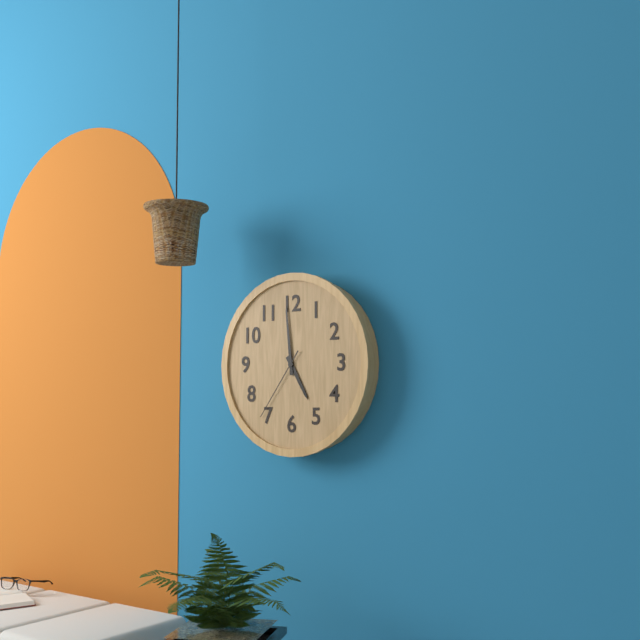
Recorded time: 4:59:36
